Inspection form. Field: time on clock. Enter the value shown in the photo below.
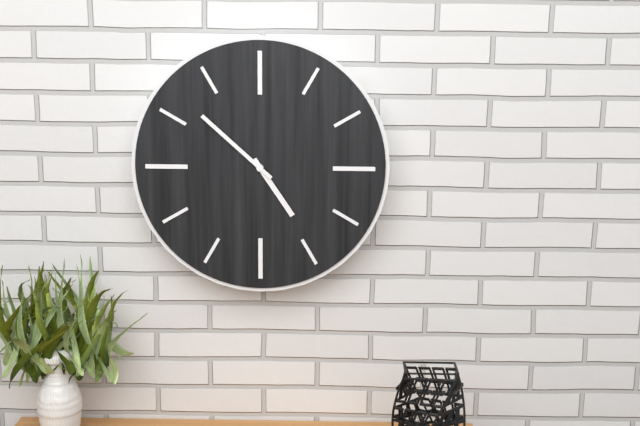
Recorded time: 4:52
